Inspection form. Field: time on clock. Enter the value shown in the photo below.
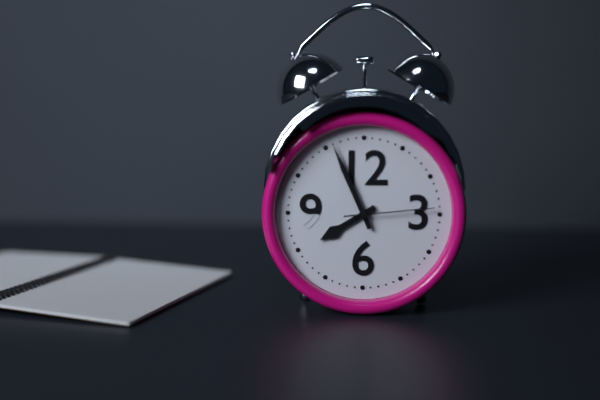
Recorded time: 7:56:14
